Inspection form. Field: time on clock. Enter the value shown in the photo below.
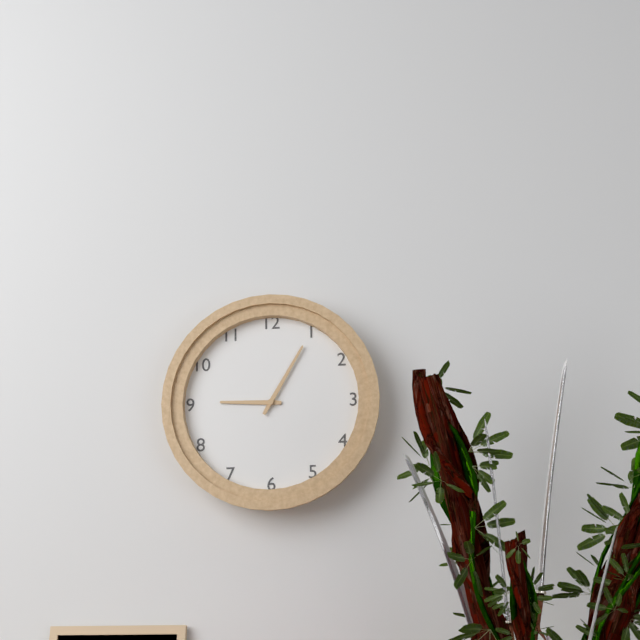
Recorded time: 9:05
